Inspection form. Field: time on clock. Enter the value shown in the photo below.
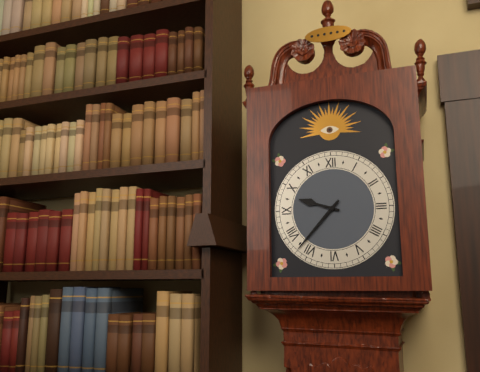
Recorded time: 9:37
